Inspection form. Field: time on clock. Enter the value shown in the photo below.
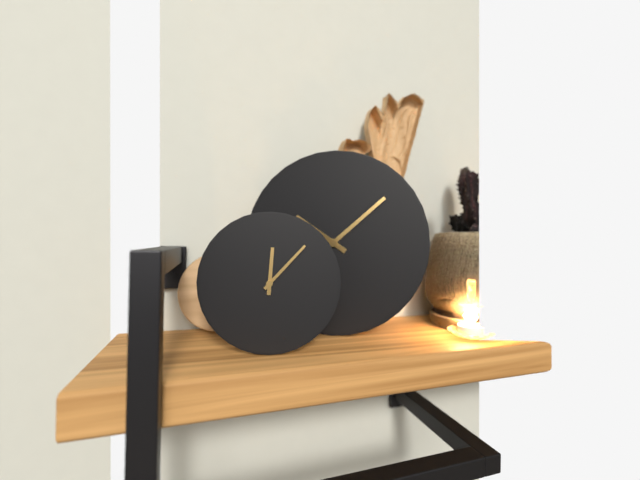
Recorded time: 12:07
